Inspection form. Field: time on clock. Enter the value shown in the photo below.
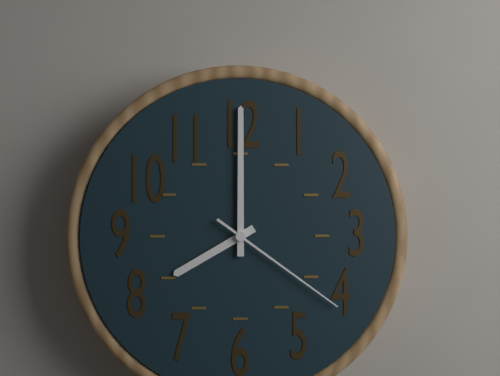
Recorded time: 8:00:21
